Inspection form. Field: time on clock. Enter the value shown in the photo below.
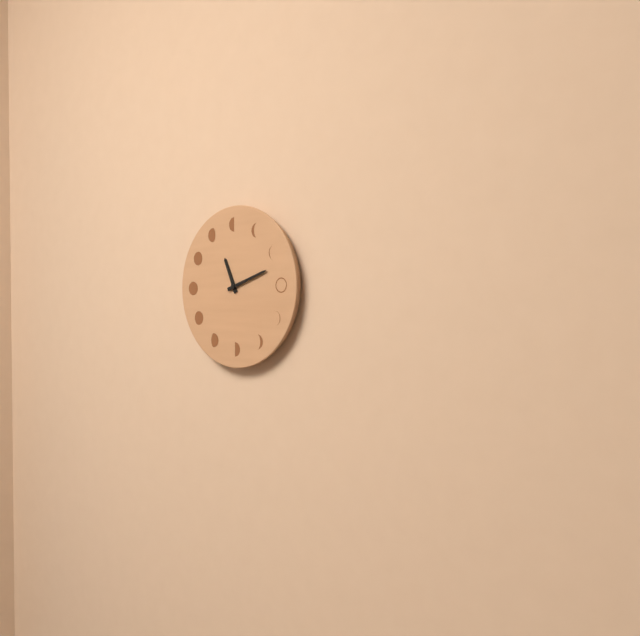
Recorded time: 11:12
